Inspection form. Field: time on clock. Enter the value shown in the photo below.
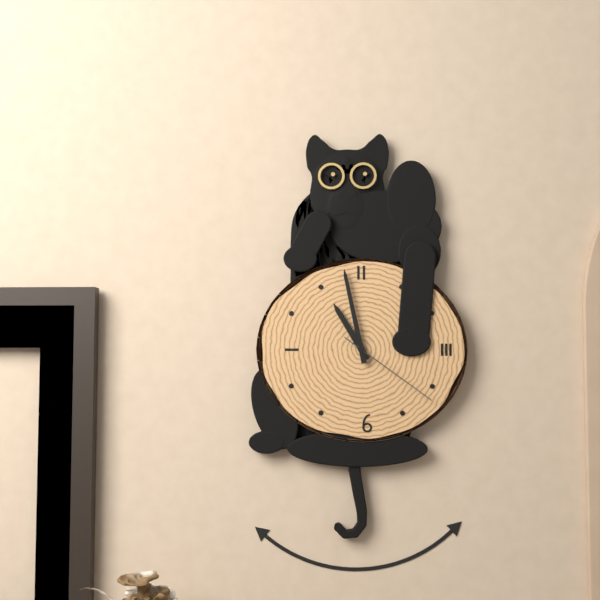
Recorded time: 10:58:21
